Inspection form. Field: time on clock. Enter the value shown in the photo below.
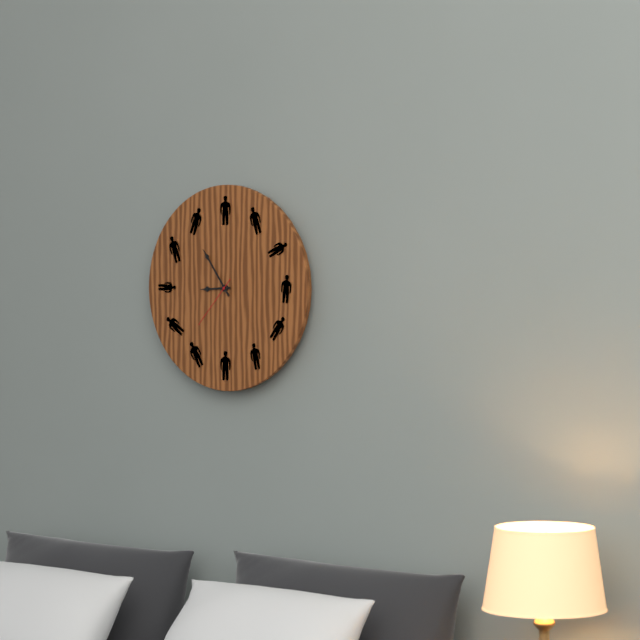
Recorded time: 8:54:37
